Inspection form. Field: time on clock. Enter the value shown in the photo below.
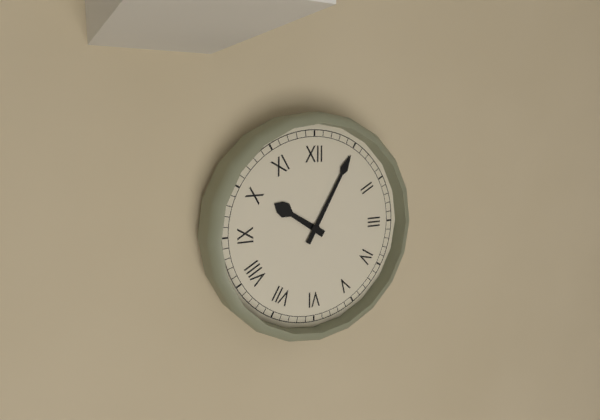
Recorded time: 10:05
